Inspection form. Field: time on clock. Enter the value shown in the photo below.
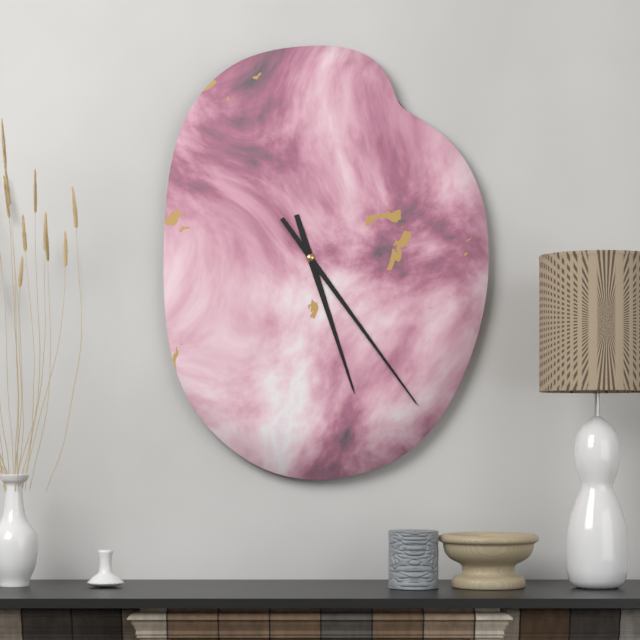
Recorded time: 5:24
